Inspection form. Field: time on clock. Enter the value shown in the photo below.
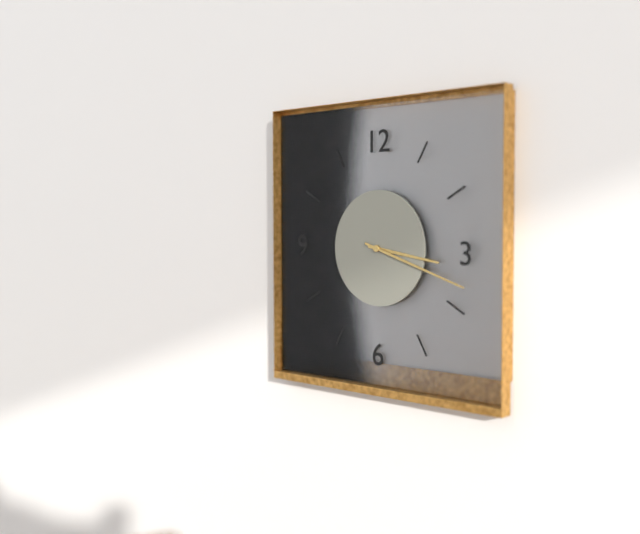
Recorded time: 3:18
